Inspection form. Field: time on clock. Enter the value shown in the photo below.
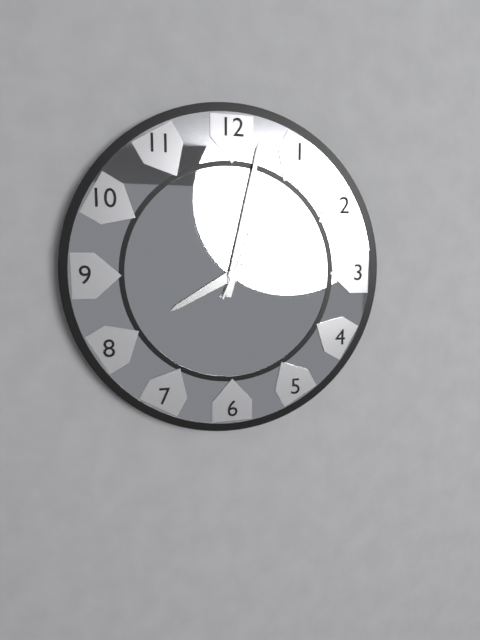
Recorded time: 8:02:04
